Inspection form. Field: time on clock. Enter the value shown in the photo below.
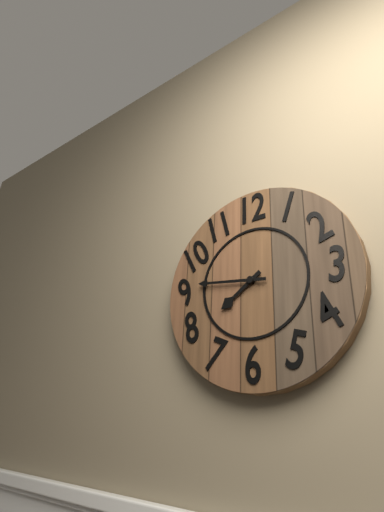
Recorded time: 7:46
